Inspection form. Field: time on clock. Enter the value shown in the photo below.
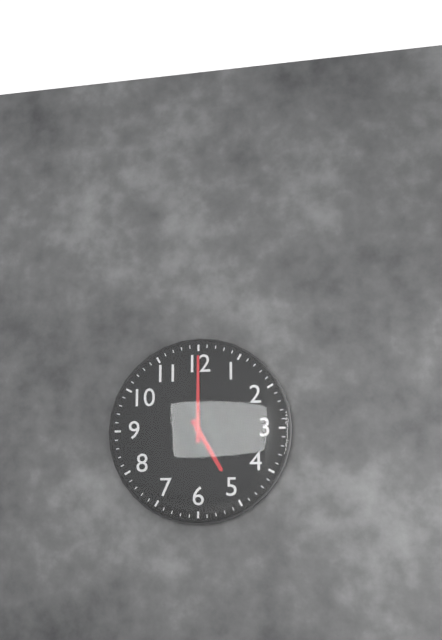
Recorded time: 5:00
